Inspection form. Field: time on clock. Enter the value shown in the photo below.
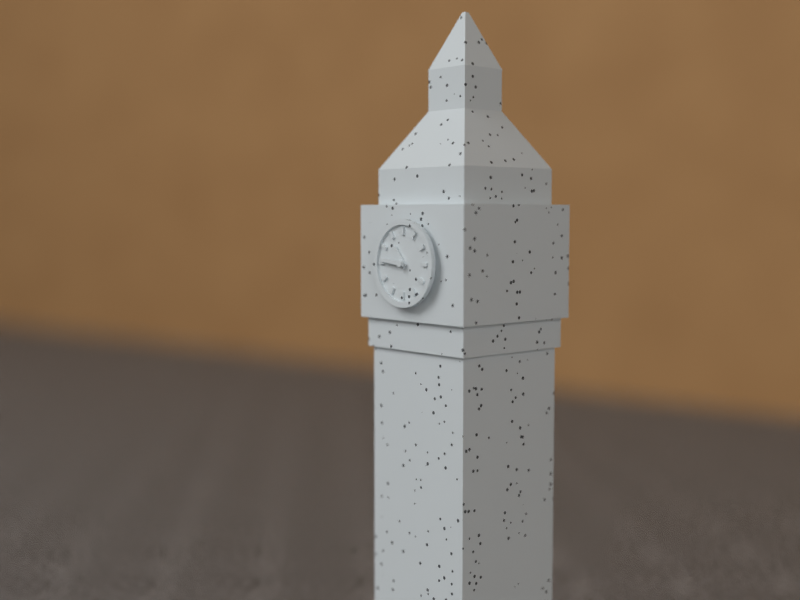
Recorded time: 10:46
